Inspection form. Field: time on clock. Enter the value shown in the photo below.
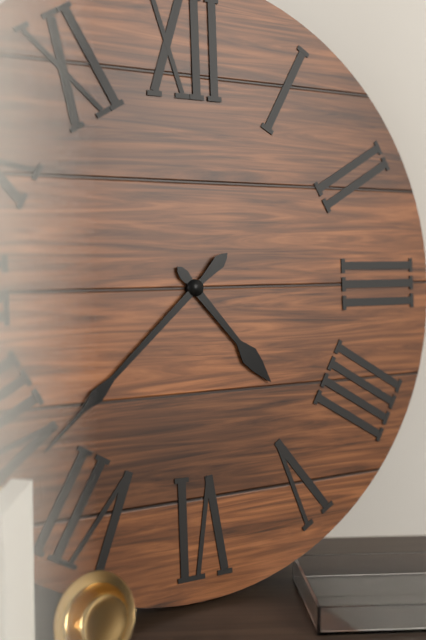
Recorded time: 4:38
